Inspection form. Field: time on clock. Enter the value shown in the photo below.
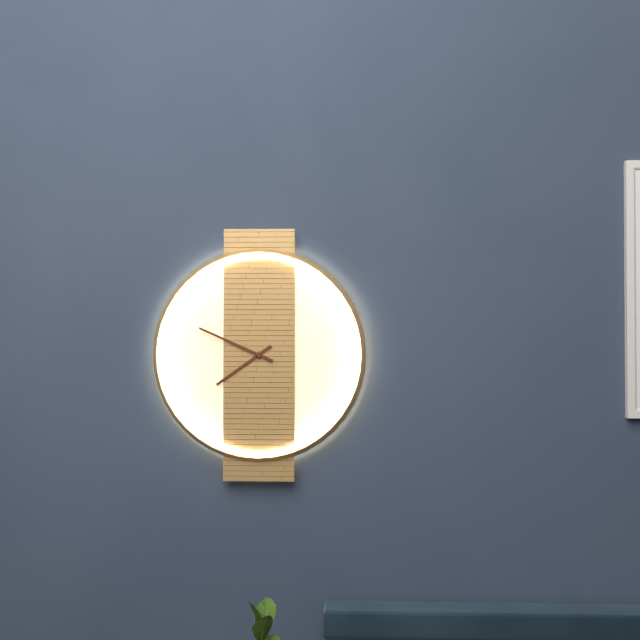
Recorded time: 7:49
